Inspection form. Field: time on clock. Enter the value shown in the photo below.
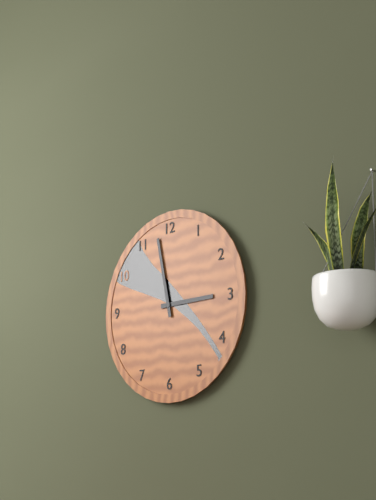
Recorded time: 2:58
